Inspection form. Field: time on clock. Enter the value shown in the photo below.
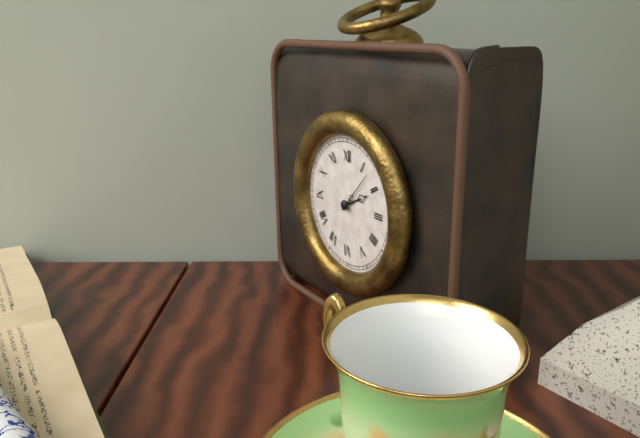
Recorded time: 2:07
